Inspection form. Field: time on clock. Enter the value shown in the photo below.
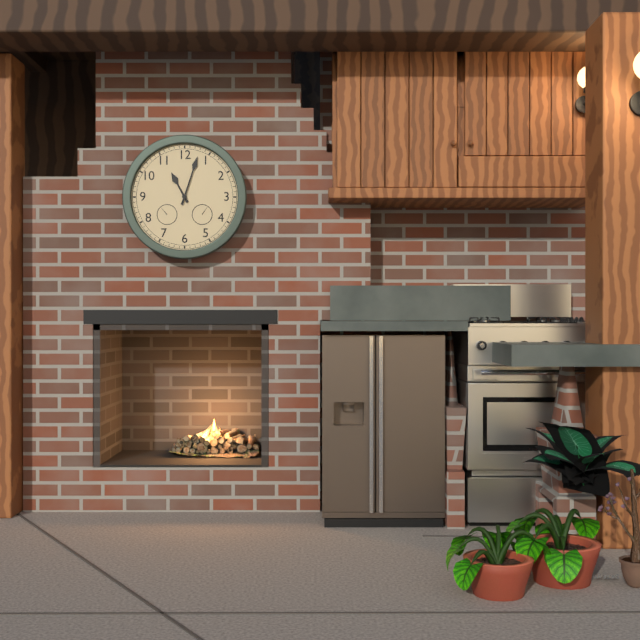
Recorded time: 11:03
